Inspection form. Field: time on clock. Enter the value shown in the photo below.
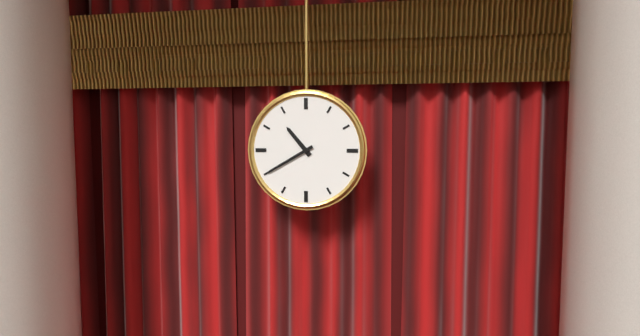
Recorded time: 10:40
